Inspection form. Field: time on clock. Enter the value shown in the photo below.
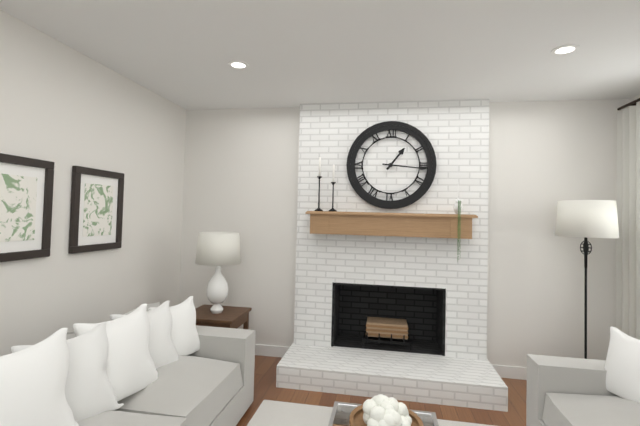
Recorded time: 1:16
